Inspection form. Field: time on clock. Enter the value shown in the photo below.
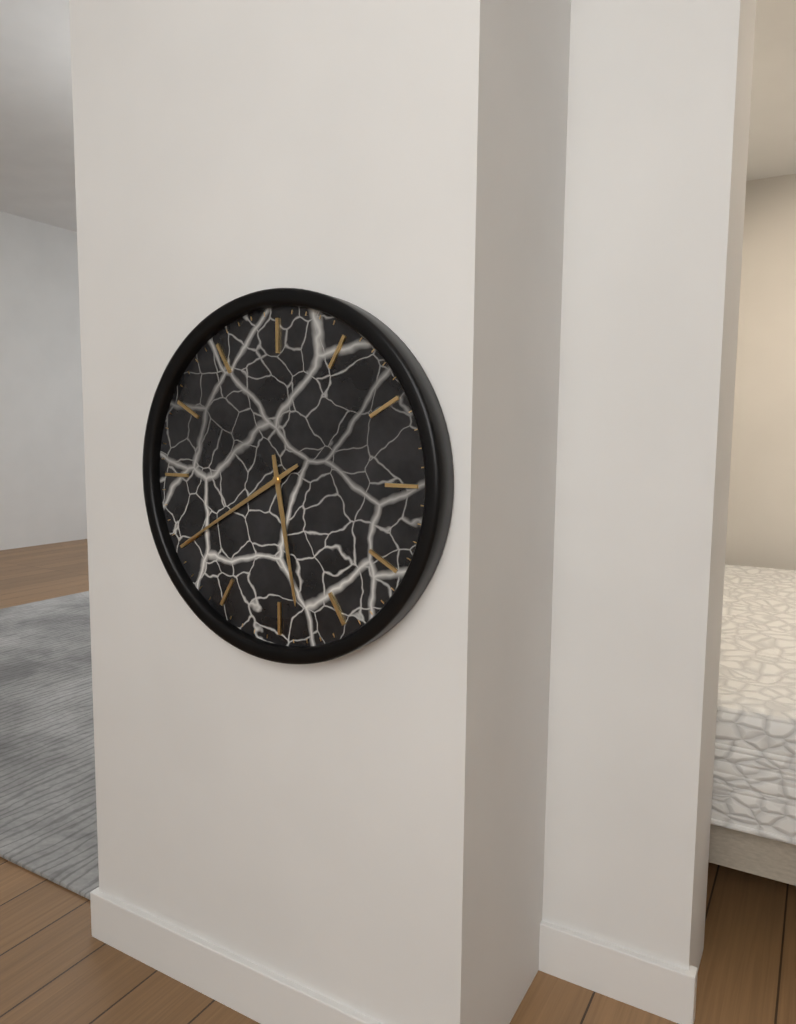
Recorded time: 5:40
